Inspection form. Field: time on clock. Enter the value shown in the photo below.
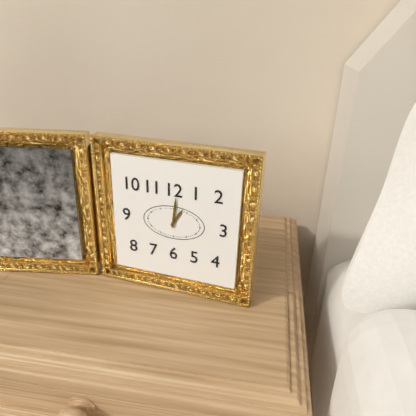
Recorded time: 1:01
